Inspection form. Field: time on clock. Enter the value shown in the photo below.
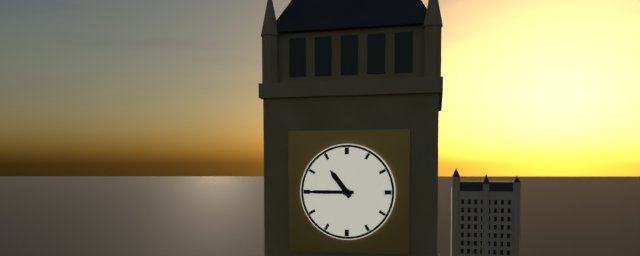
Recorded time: 10:45
